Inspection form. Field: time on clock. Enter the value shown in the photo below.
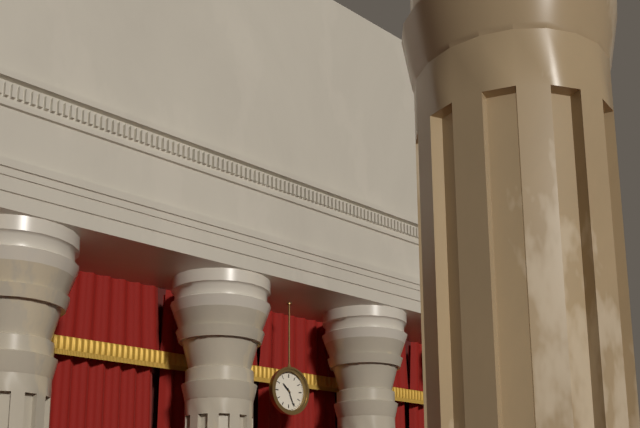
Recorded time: 10:26
